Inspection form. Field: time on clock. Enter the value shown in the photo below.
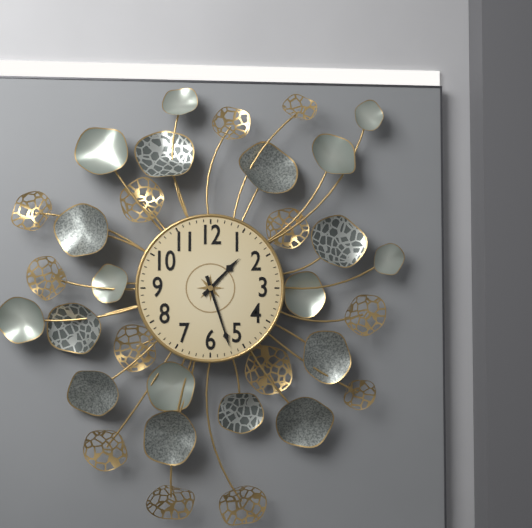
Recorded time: 1:27
